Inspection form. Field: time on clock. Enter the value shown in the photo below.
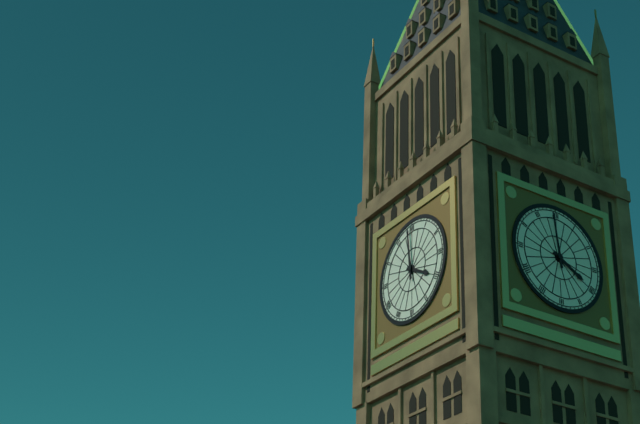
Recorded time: 3:59
